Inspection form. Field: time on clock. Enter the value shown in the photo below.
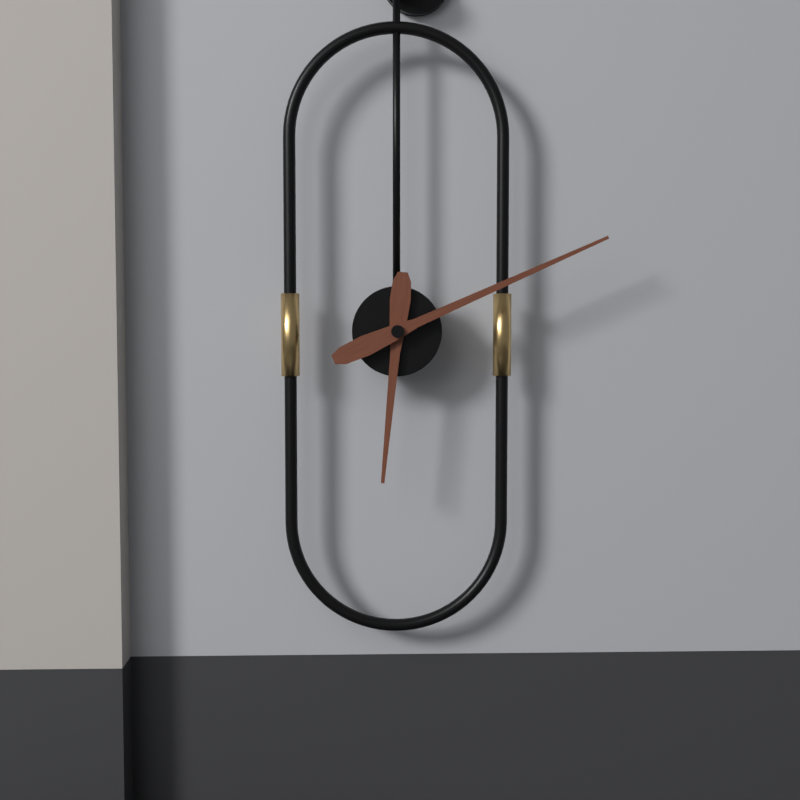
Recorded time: 6:11
